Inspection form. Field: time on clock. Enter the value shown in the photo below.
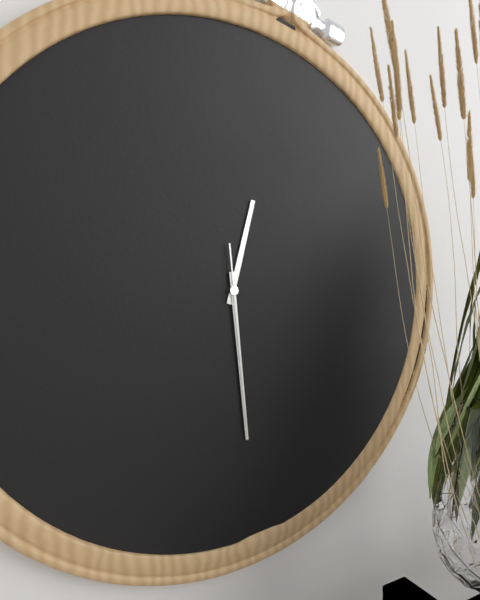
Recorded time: 12:29:29
